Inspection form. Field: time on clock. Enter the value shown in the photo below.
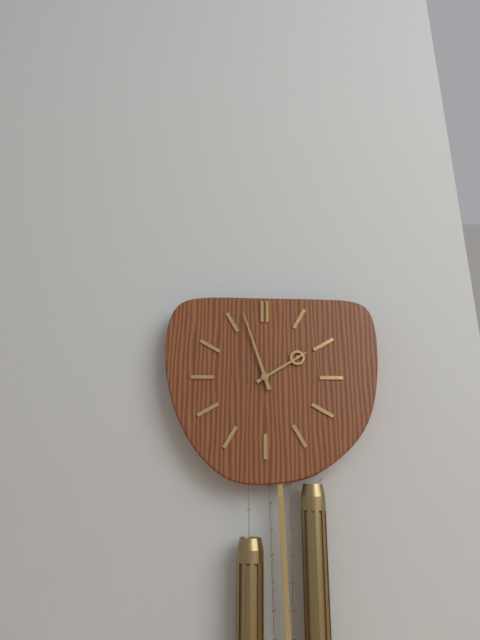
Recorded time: 1:57
